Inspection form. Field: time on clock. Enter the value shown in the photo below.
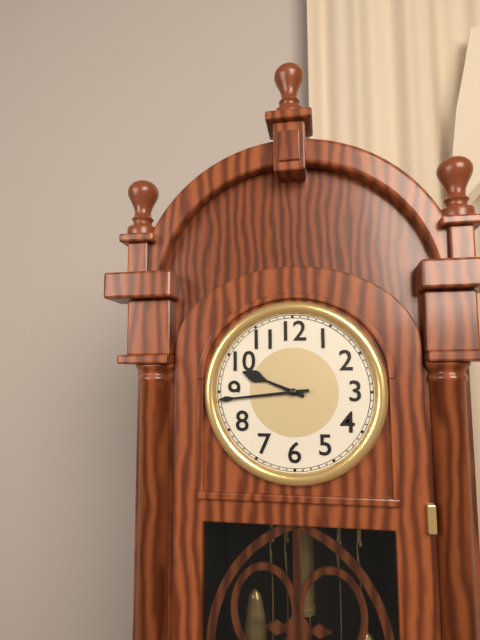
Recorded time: 9:44
